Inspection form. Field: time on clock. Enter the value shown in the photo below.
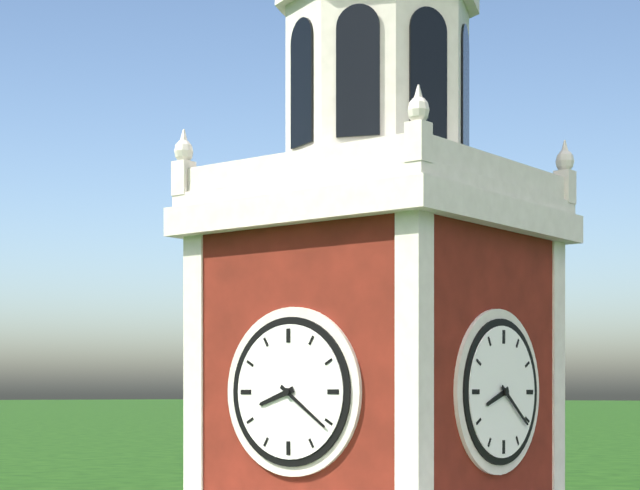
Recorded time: 8:21
